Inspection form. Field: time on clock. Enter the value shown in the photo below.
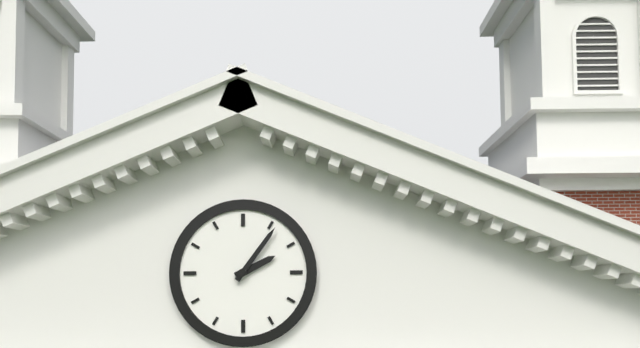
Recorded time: 2:06
